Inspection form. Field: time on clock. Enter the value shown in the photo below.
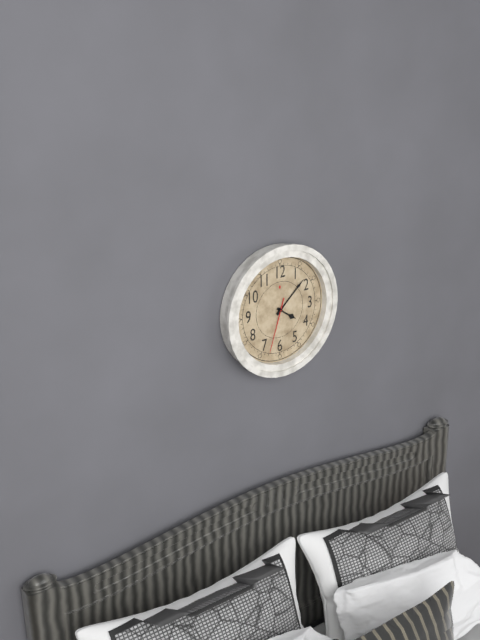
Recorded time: 4:08:33
